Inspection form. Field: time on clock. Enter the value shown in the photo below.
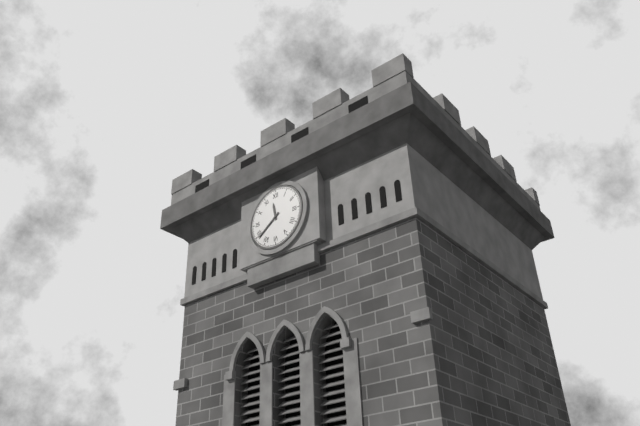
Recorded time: 11:39
